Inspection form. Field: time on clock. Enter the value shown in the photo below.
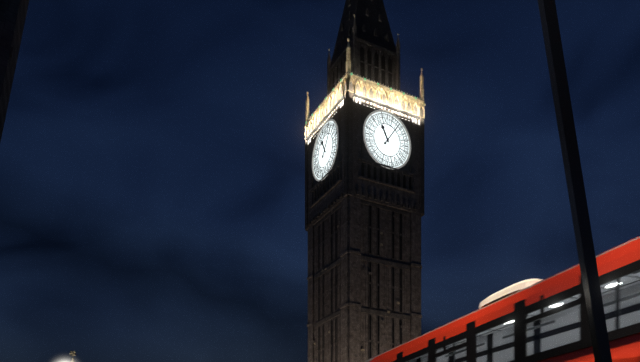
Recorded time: 11:06
